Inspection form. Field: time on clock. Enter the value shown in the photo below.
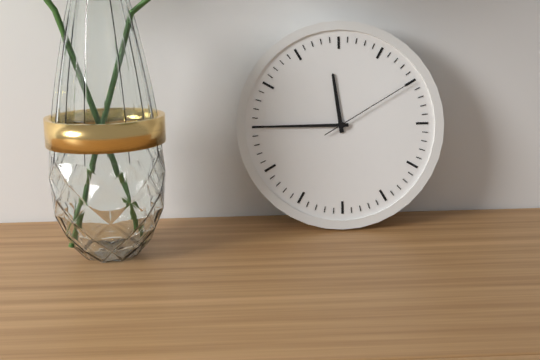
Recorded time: 11:45:10
